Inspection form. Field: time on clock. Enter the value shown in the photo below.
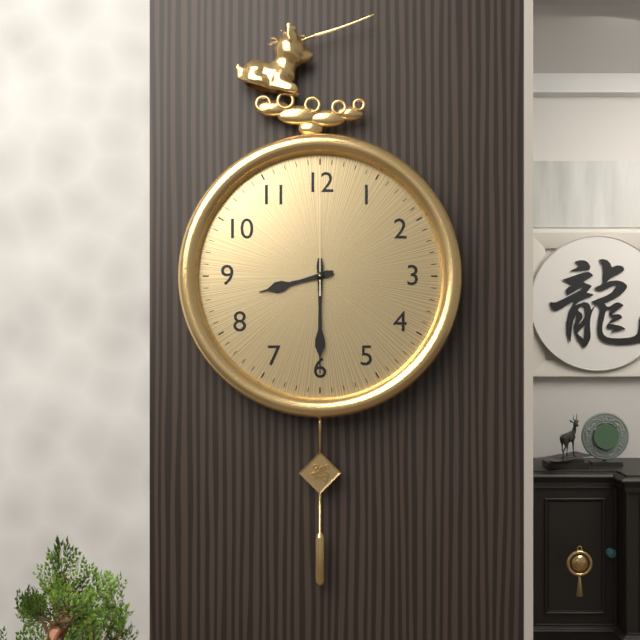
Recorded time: 8:30:00
